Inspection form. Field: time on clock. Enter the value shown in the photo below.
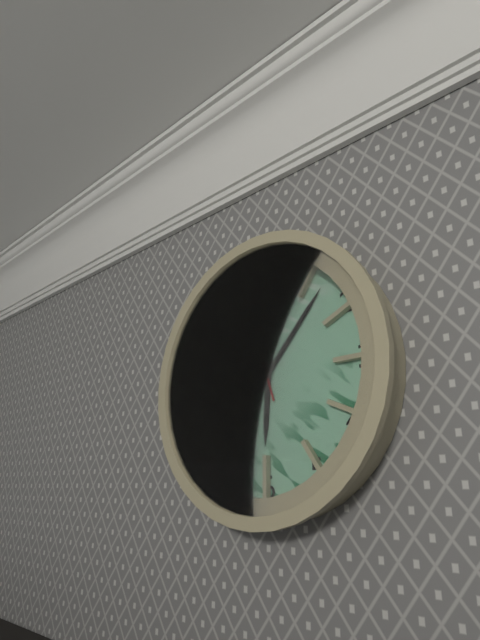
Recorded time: 6:07:57
